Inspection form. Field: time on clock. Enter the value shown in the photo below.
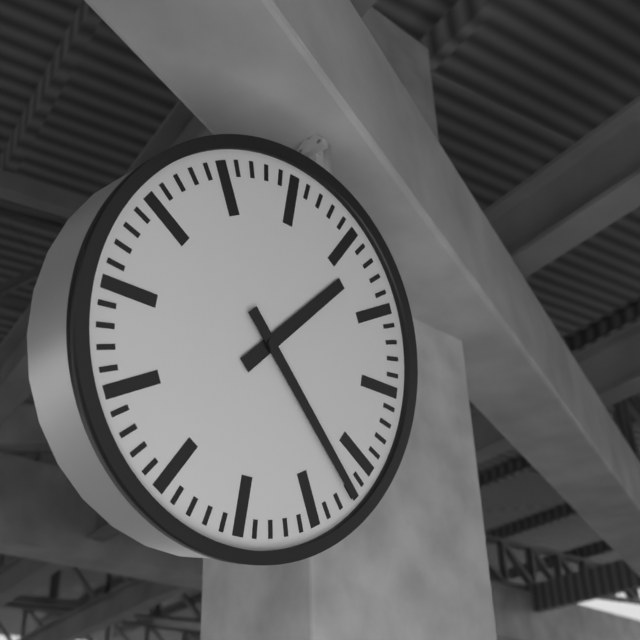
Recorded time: 1:22
